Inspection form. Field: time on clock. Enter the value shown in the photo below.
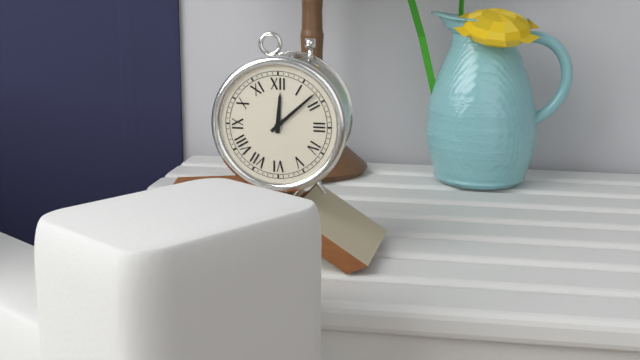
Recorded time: 12:08
